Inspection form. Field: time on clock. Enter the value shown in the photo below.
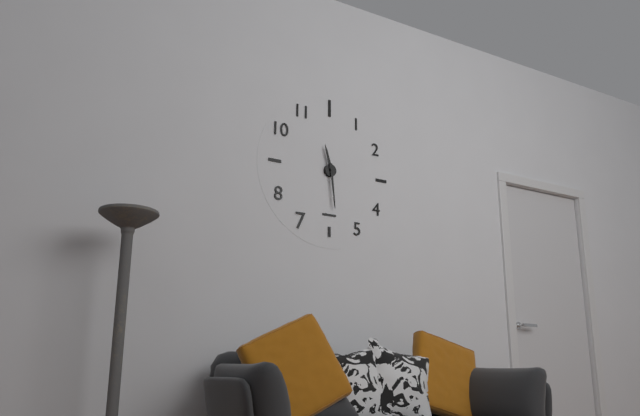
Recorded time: 11:29
